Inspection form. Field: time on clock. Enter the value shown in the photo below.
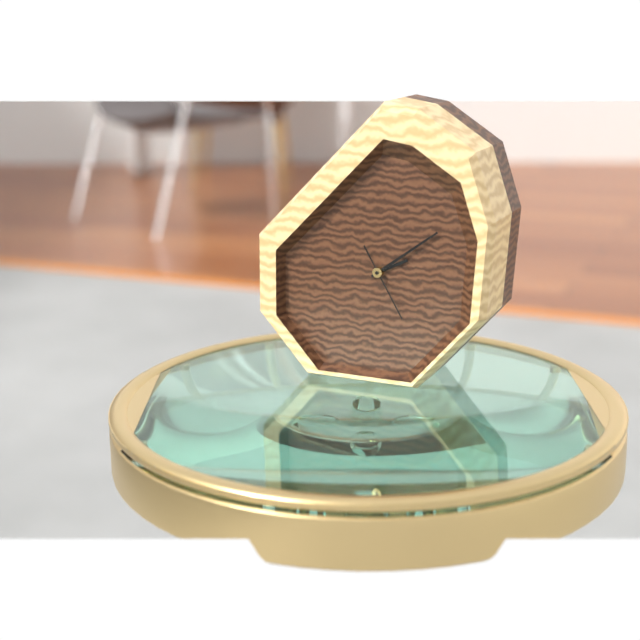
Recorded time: 2:09:25
